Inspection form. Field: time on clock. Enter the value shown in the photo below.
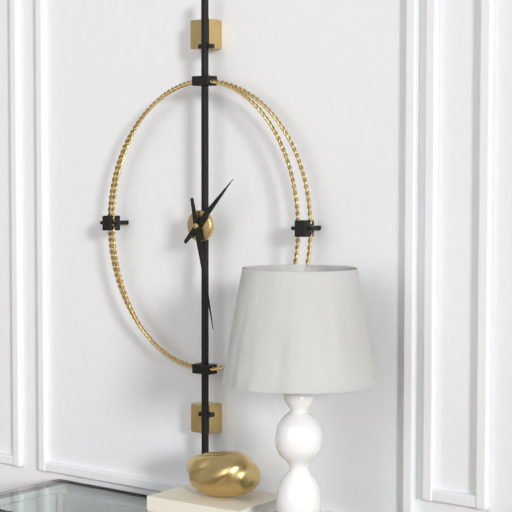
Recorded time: 1:28
